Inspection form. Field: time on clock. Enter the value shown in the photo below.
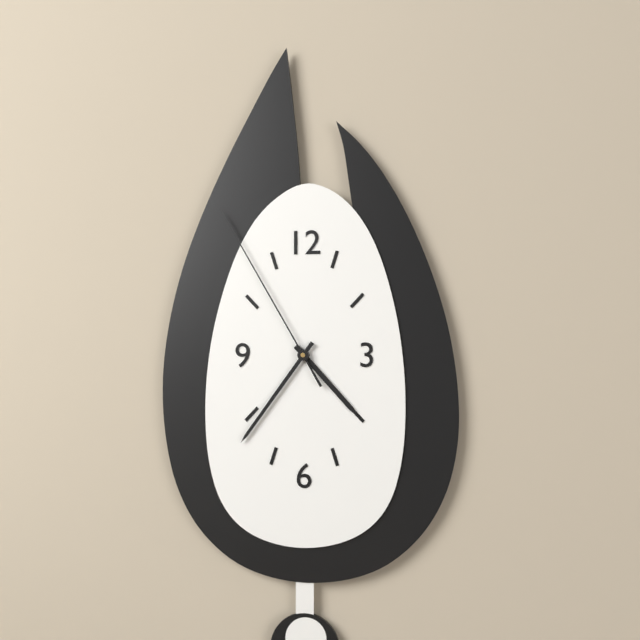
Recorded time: 4:36:55
